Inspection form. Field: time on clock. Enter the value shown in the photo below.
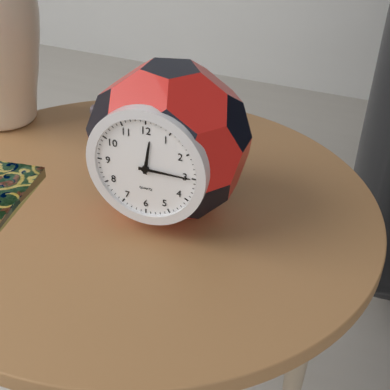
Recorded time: 12:15
